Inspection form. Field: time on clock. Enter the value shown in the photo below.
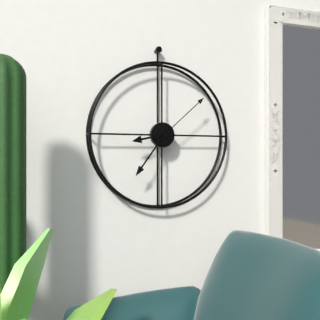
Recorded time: 8:36:08
